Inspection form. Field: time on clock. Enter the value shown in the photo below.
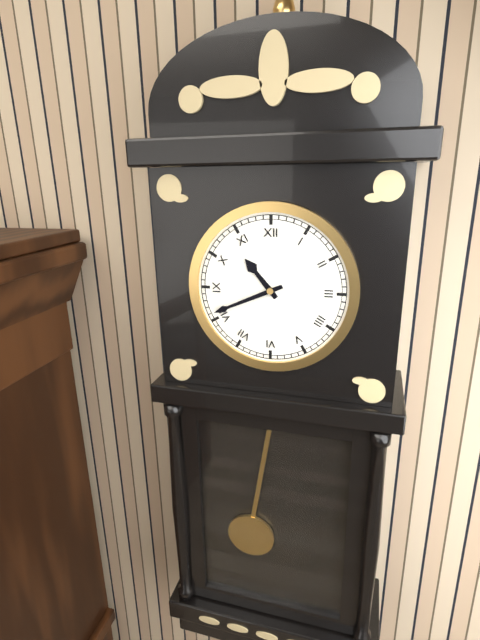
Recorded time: 10:41
